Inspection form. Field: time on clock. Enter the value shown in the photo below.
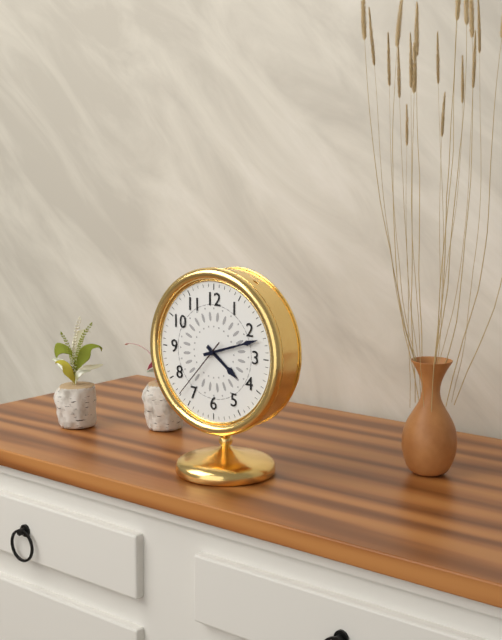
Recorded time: 4:12:37
